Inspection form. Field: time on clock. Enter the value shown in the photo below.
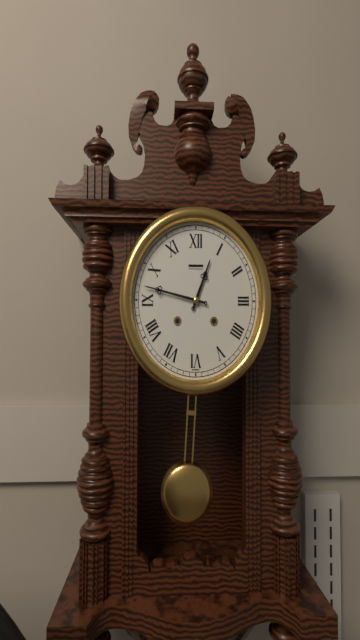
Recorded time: 12:47
